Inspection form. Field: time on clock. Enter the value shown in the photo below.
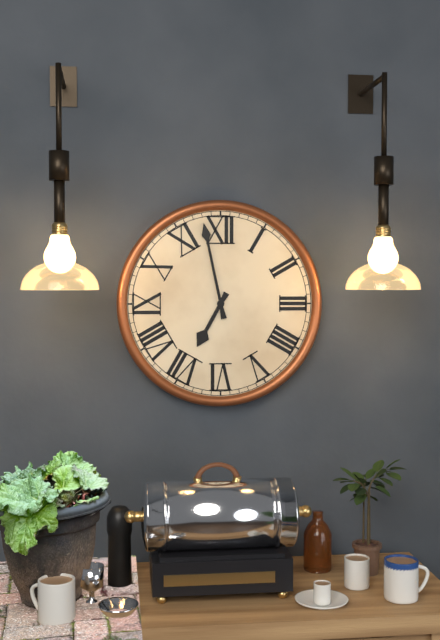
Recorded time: 6:58
